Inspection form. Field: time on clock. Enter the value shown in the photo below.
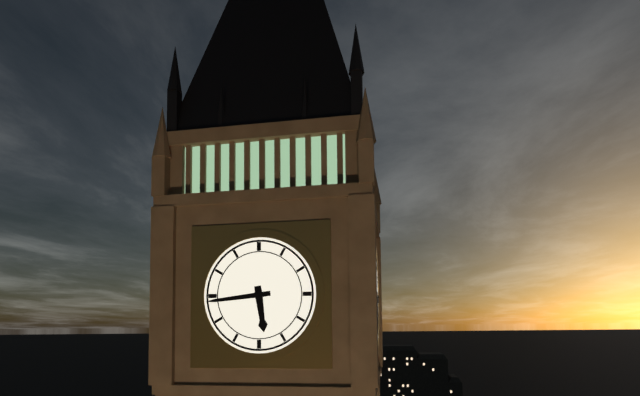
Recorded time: 5:44
